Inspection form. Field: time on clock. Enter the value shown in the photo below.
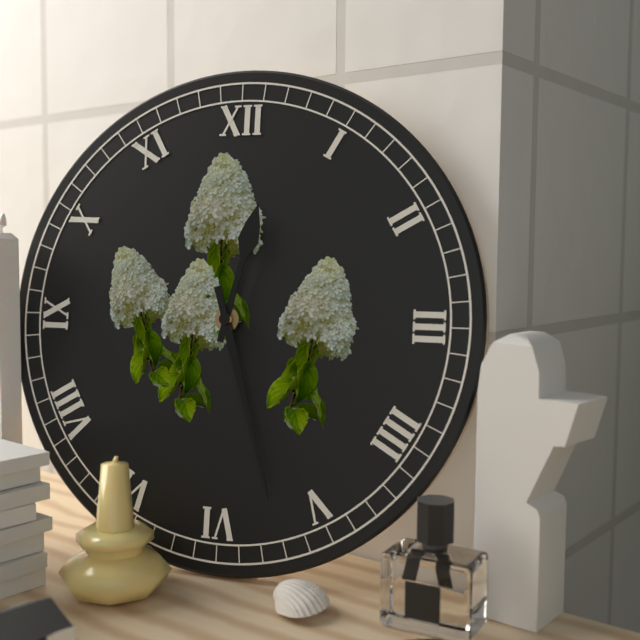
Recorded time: 12:27
